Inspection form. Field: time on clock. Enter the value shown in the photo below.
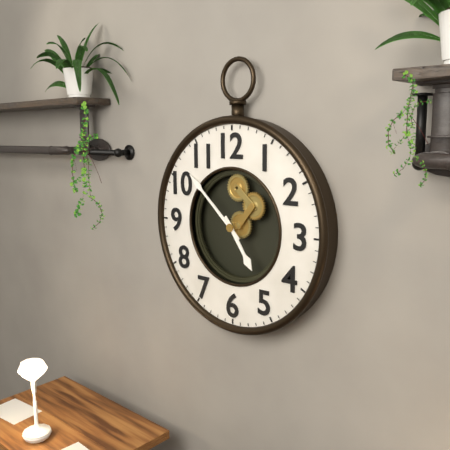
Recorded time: 4:52
